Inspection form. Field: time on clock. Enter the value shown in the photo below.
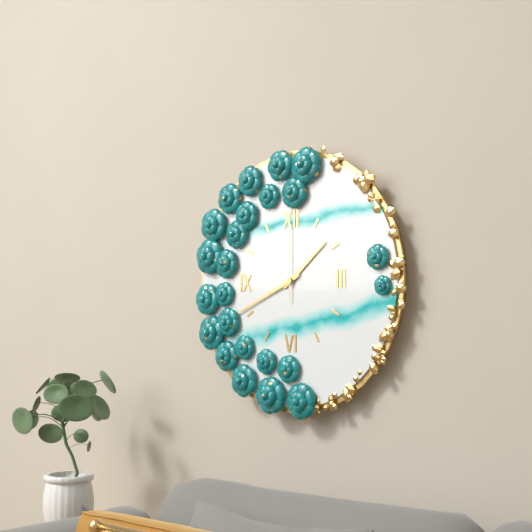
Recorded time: 1:41:00
